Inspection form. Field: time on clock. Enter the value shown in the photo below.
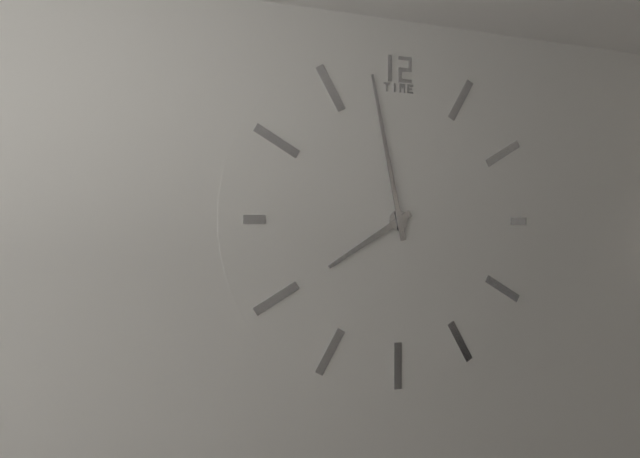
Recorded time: 7:58
